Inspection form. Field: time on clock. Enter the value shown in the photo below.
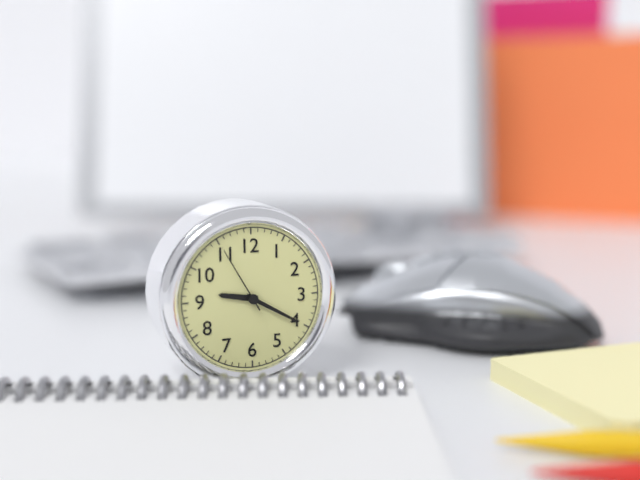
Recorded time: 9:20:55
